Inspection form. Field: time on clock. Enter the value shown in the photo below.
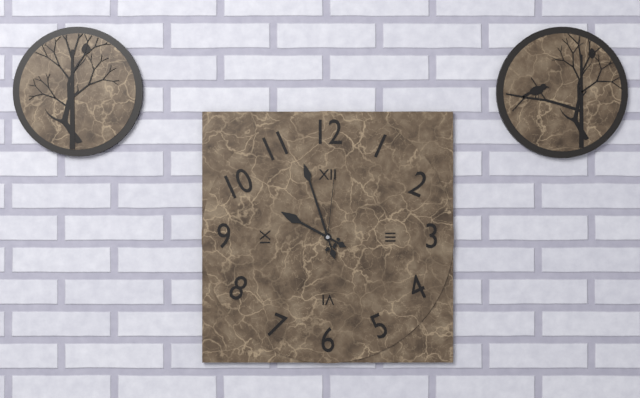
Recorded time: 9:57:01
